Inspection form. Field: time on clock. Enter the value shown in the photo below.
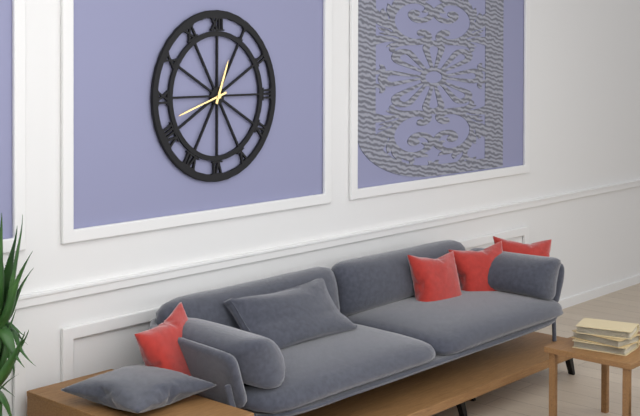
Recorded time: 12:42
